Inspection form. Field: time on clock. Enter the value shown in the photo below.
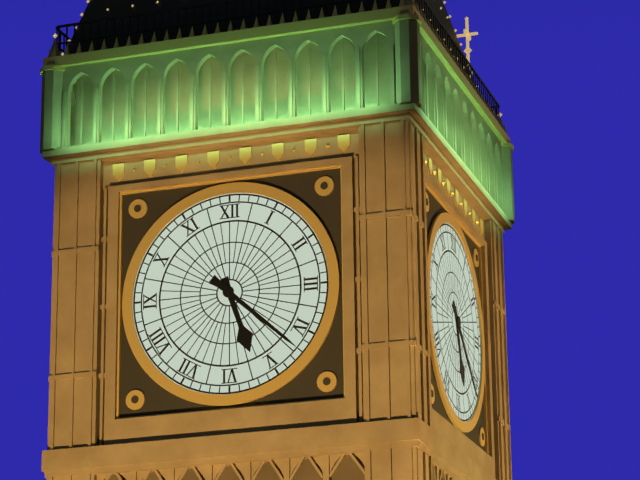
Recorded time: 5:22
